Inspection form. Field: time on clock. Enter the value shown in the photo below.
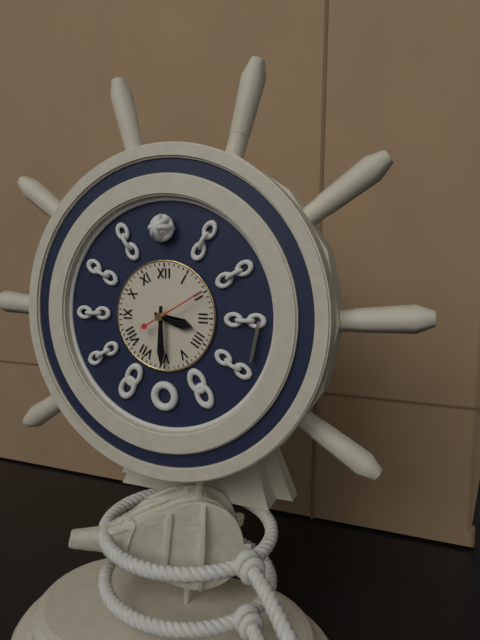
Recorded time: 3:30:10
